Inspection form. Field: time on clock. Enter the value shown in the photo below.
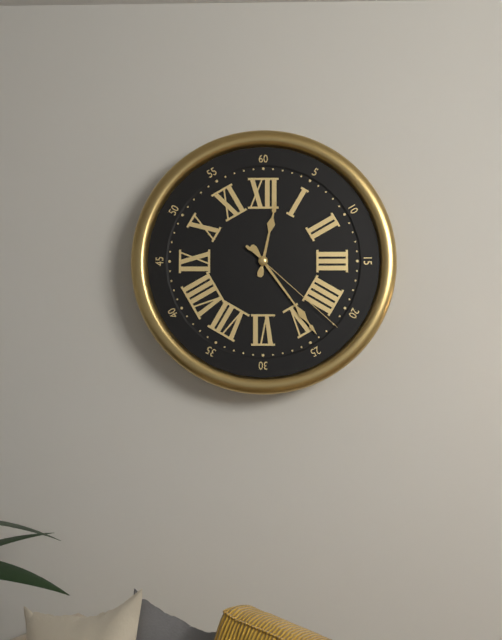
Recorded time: 12:24:22
